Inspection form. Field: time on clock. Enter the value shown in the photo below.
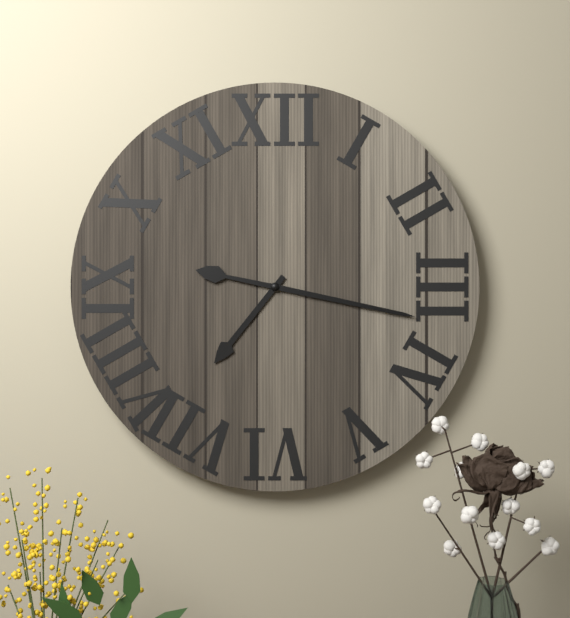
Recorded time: 7:17
